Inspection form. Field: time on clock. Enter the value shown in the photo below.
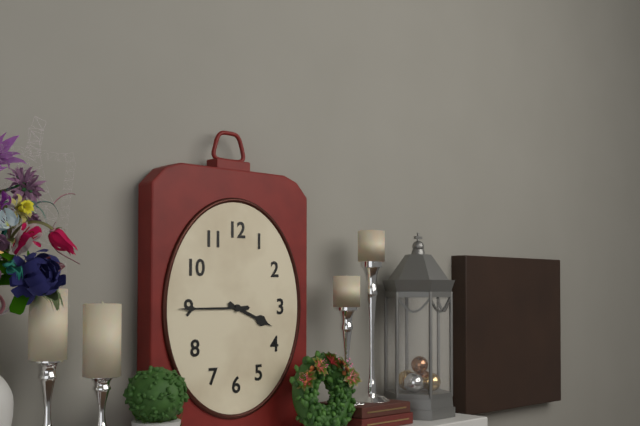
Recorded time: 3:45
